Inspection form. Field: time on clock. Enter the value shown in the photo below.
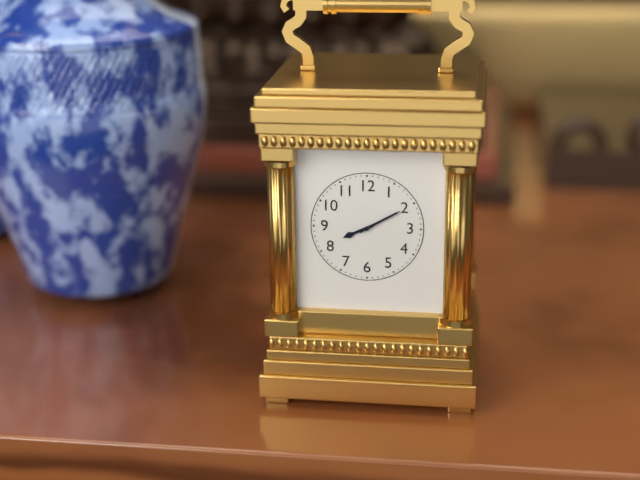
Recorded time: 8:10
